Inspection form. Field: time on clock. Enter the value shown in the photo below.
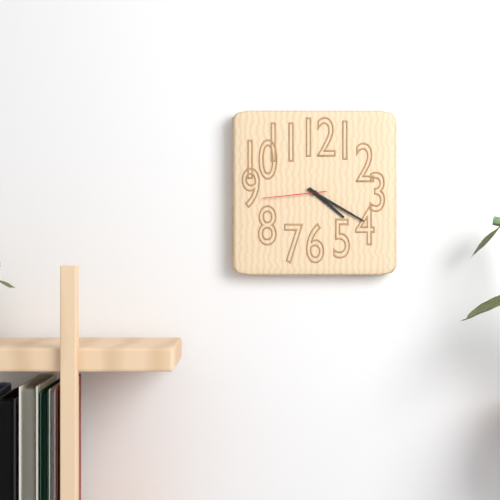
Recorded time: 4:20:44
